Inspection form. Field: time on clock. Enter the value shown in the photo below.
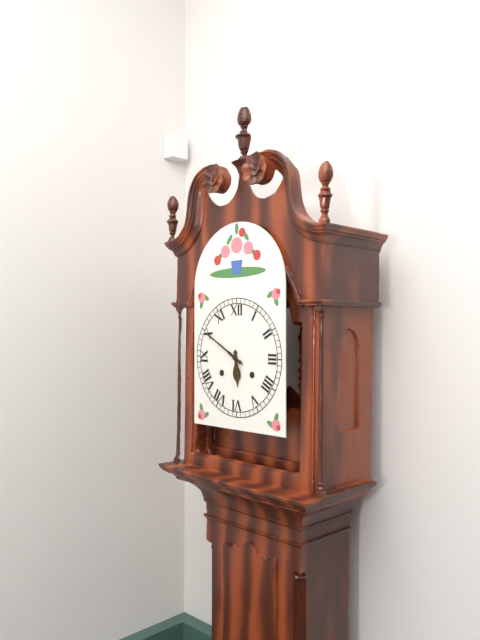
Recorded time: 5:50
